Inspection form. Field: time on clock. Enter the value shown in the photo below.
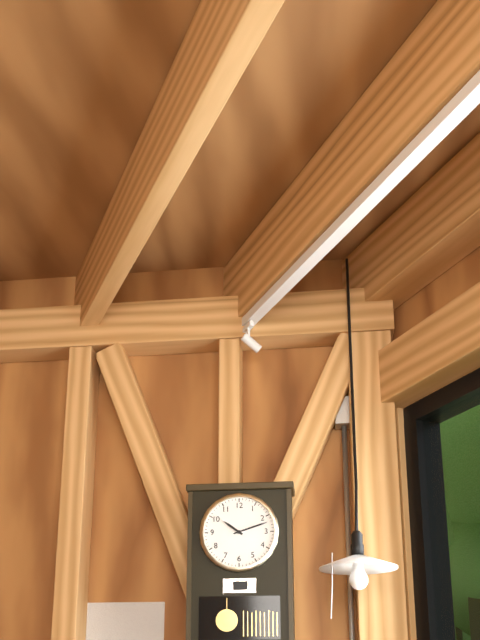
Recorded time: 10:12
